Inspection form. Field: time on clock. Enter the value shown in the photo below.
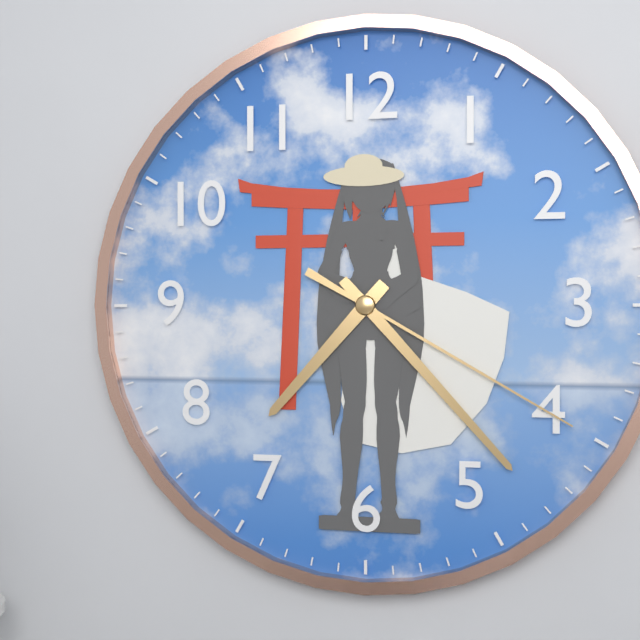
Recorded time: 7:23:20
